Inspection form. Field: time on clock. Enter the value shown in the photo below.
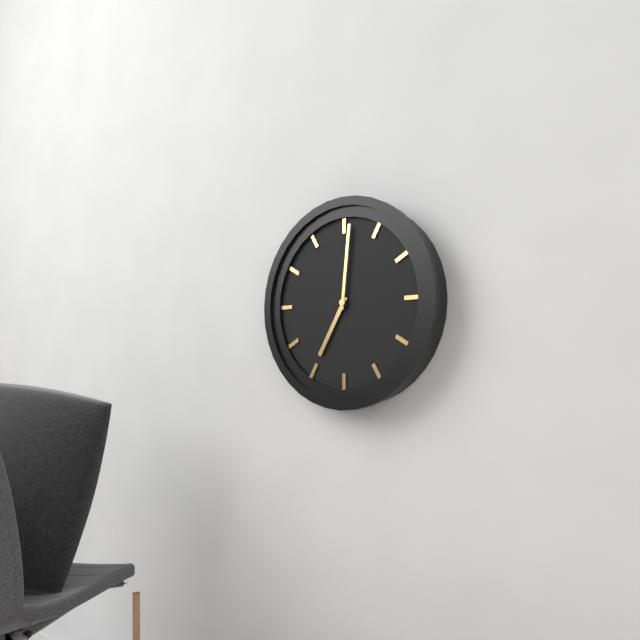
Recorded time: 7:01
